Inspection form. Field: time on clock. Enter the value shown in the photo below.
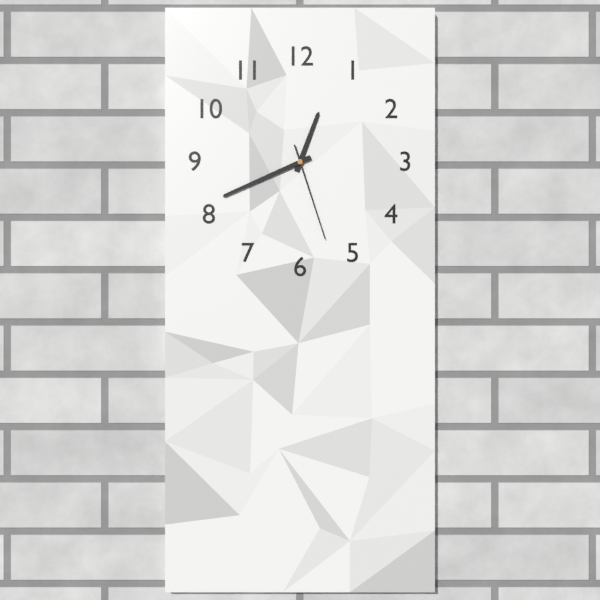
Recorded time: 12:41:27
